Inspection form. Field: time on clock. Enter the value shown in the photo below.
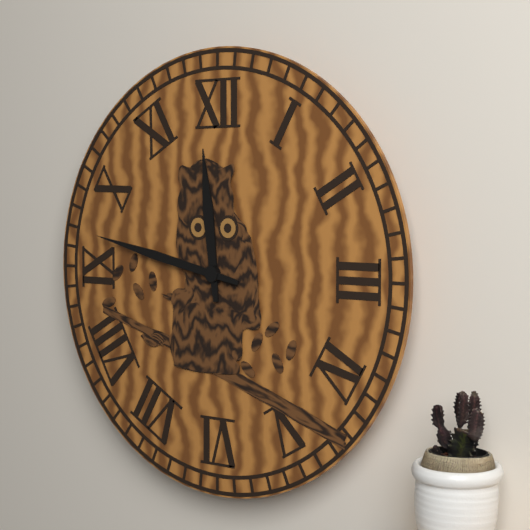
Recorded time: 11:47
